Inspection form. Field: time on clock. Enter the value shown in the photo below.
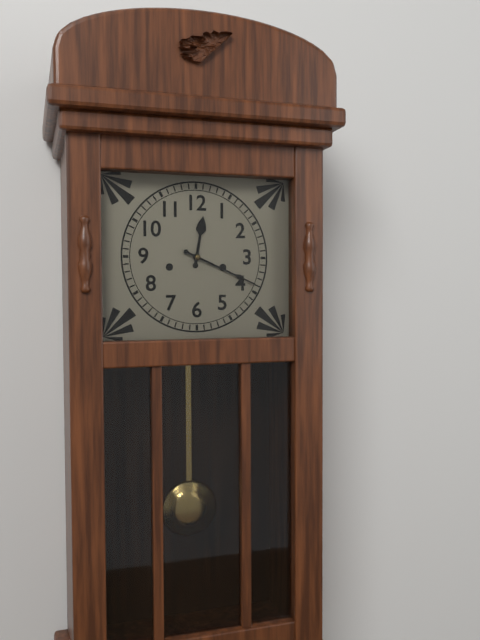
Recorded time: 12:19
